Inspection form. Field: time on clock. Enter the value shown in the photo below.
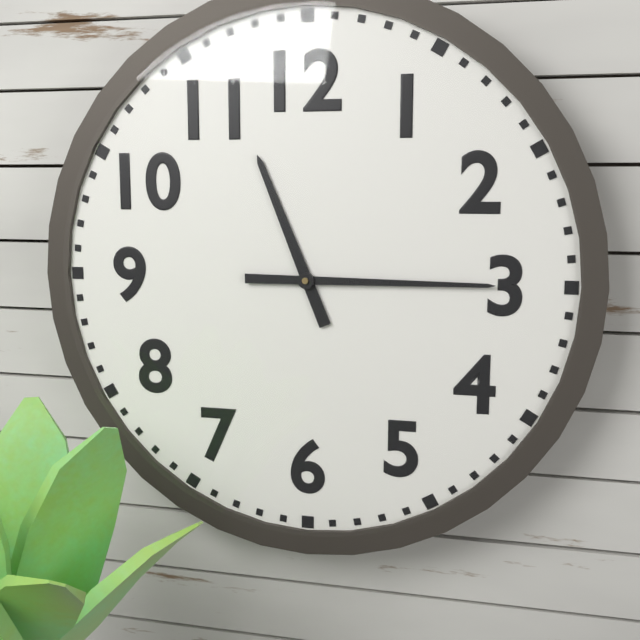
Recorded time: 11:15
